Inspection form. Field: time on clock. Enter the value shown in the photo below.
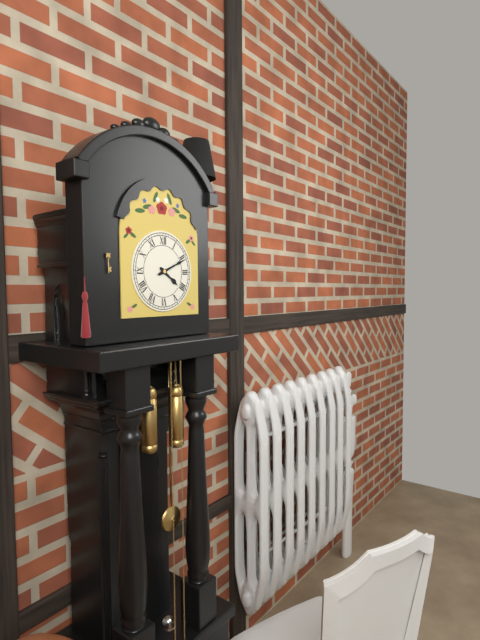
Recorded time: 4:11
